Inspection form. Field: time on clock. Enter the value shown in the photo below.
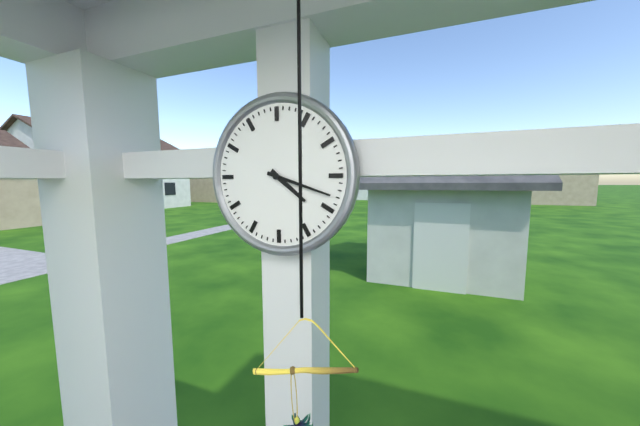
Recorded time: 4:18
